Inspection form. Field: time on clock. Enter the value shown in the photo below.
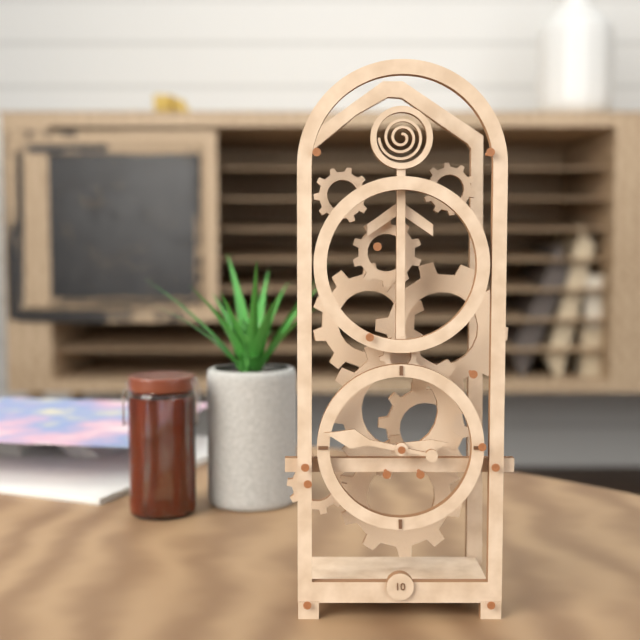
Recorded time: 2:47
